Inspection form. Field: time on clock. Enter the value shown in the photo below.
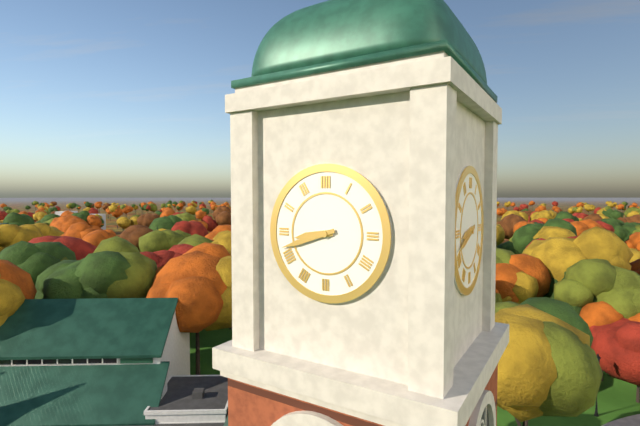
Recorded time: 8:42
